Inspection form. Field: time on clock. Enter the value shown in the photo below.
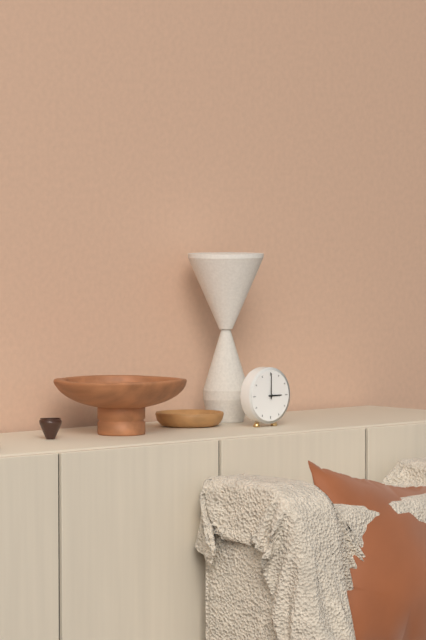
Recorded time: 3:00
